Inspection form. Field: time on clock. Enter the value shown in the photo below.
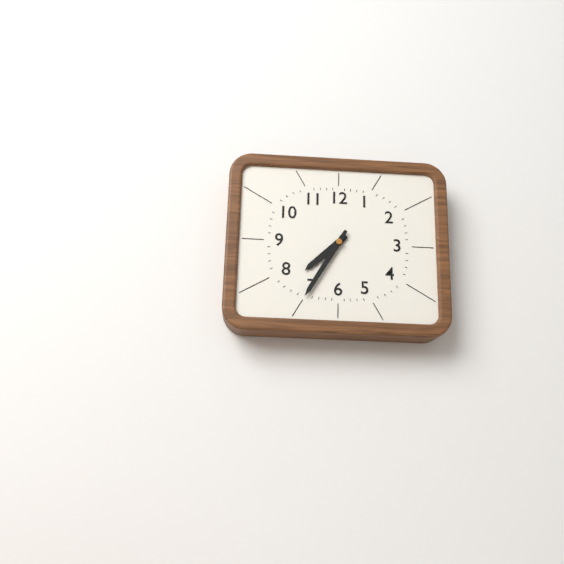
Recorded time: 7:35
